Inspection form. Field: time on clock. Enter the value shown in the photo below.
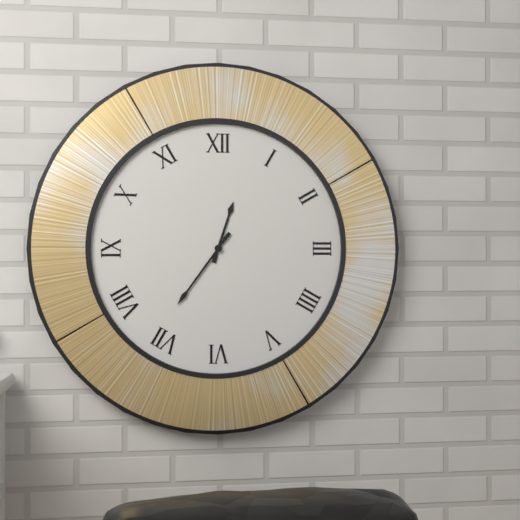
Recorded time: 12:36
